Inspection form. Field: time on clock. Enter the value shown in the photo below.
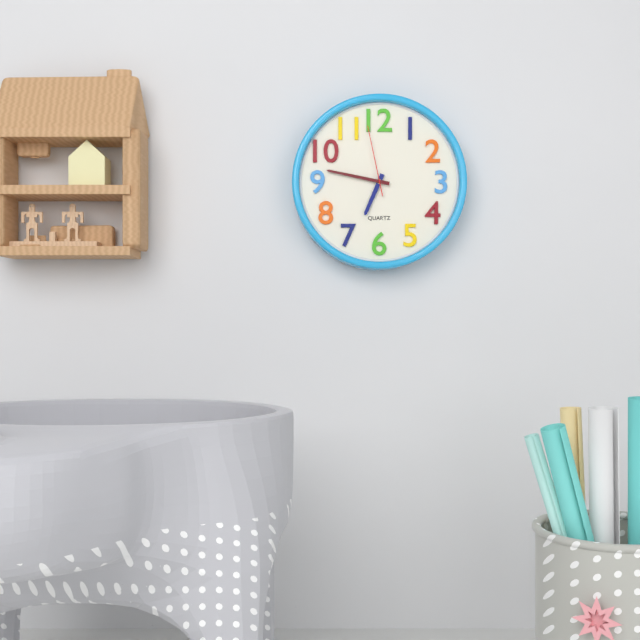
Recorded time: 6:47:58
